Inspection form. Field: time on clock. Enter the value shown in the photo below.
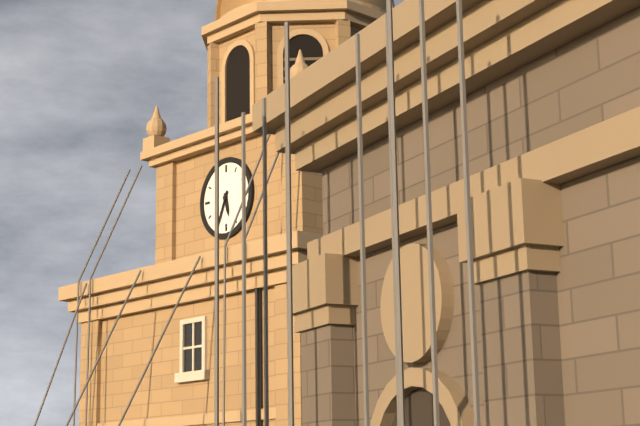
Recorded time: 5:34
